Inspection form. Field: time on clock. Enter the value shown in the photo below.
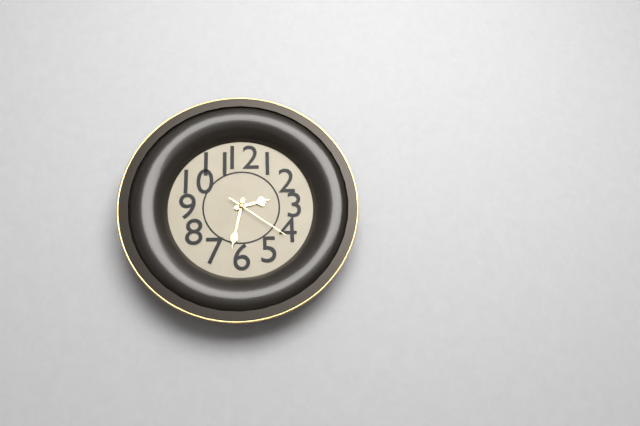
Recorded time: 2:32:21
